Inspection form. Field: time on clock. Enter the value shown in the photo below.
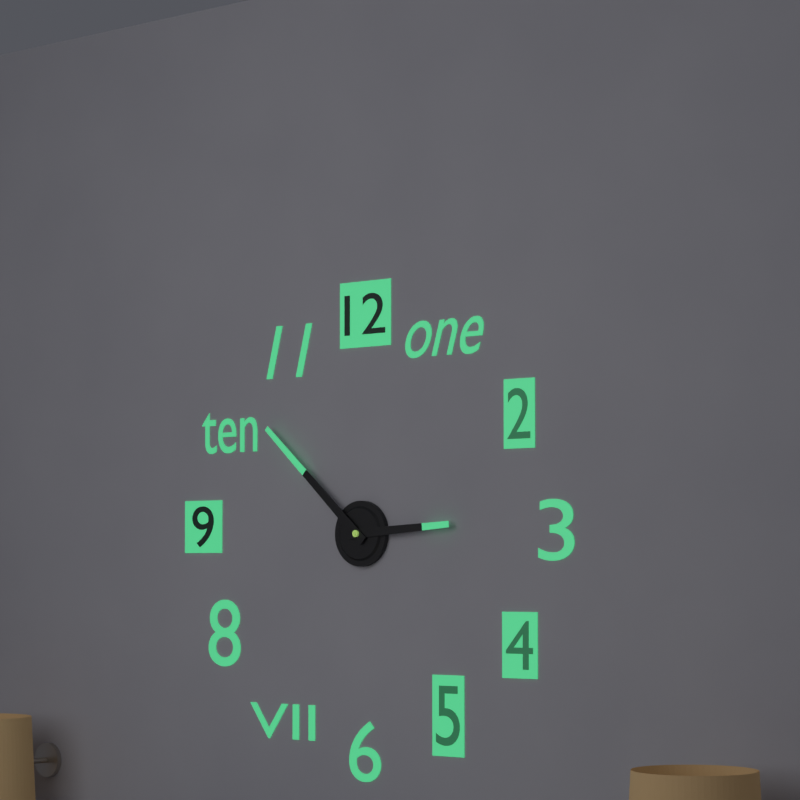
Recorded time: 2:52
